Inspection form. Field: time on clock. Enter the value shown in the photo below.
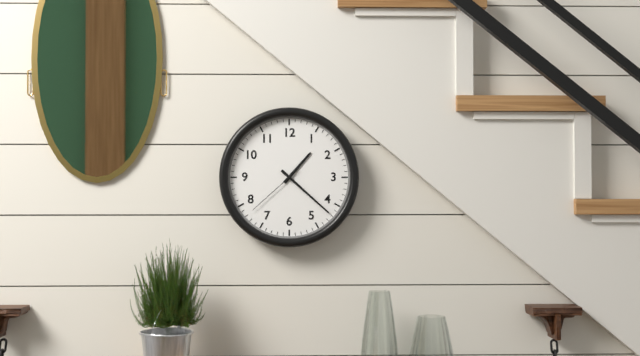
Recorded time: 1:22:38
